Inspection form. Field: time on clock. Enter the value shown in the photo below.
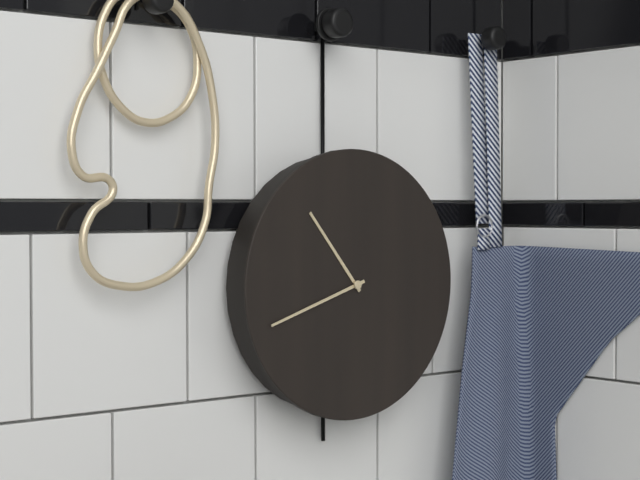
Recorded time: 10:42
